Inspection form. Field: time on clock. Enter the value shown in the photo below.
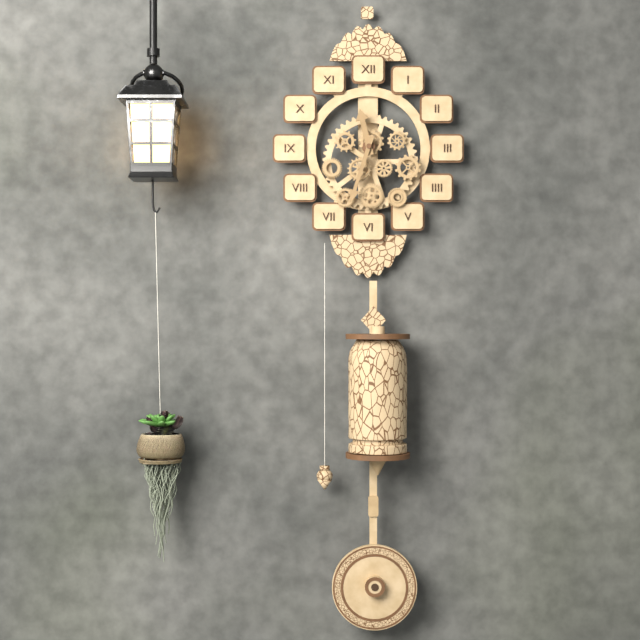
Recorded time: 11:33
